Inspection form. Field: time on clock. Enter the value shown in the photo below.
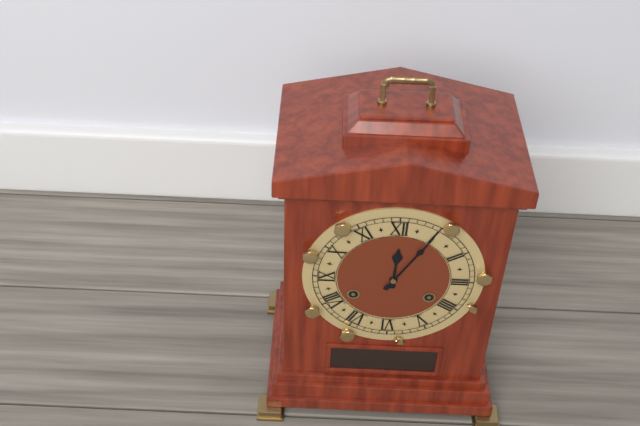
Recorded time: 12:05
